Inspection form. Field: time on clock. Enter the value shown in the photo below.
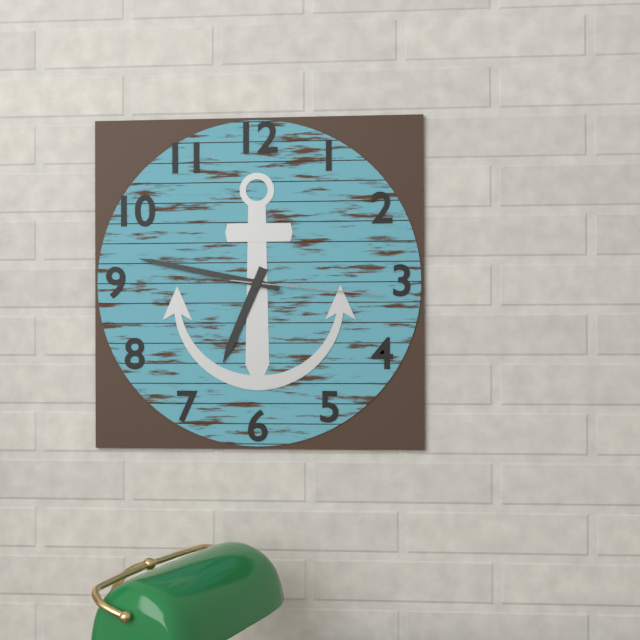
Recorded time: 6:47:16
